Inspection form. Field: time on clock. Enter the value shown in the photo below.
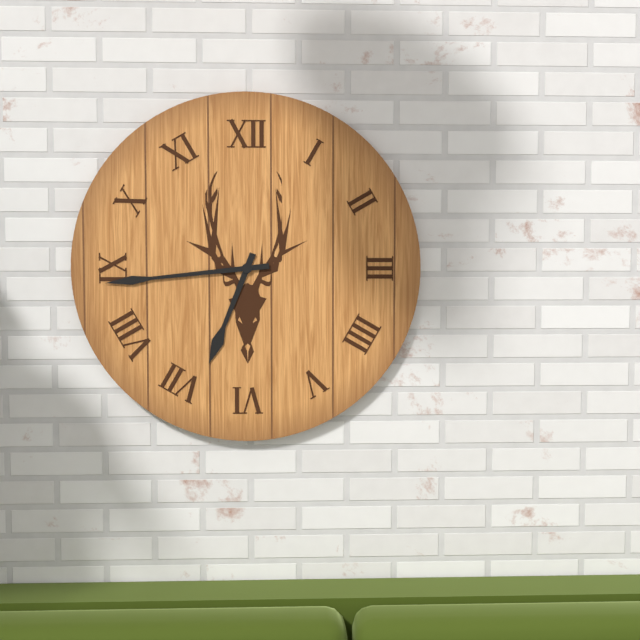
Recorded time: 6:44
